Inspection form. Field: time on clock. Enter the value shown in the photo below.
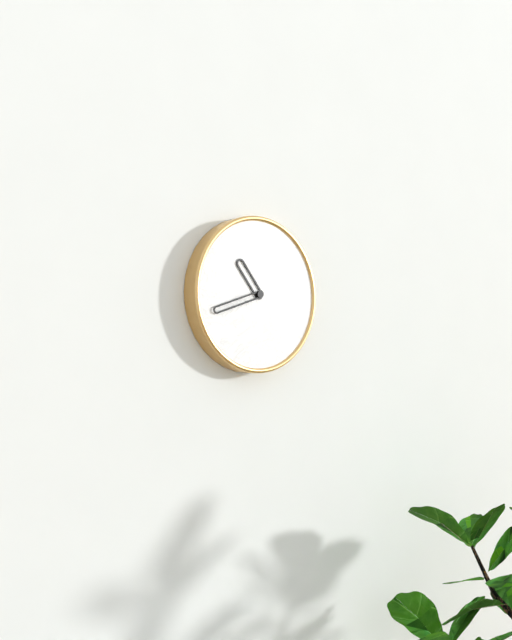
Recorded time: 10:42
